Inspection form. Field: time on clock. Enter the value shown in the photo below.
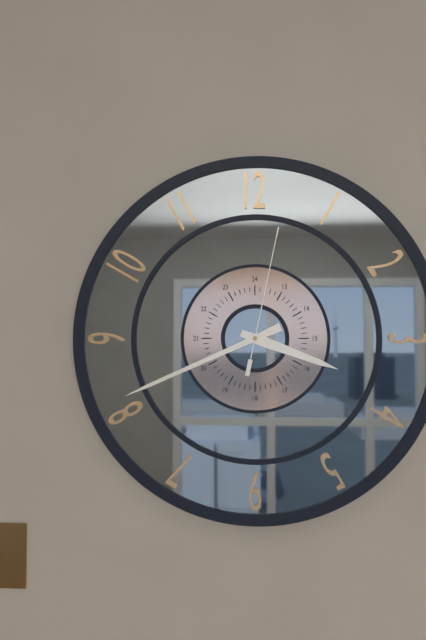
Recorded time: 3:41:02
